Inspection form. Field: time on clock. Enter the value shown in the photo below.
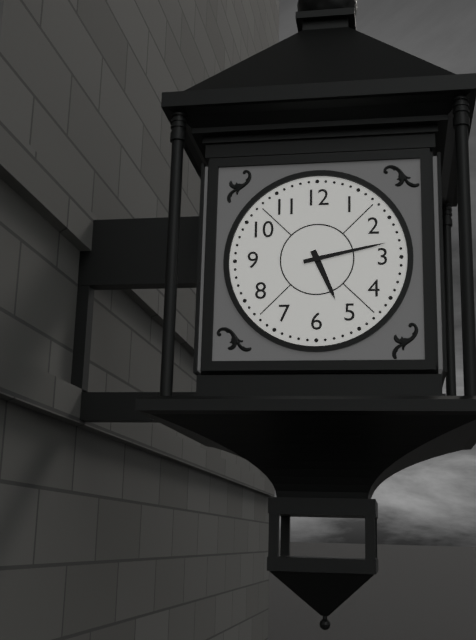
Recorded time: 5:13
